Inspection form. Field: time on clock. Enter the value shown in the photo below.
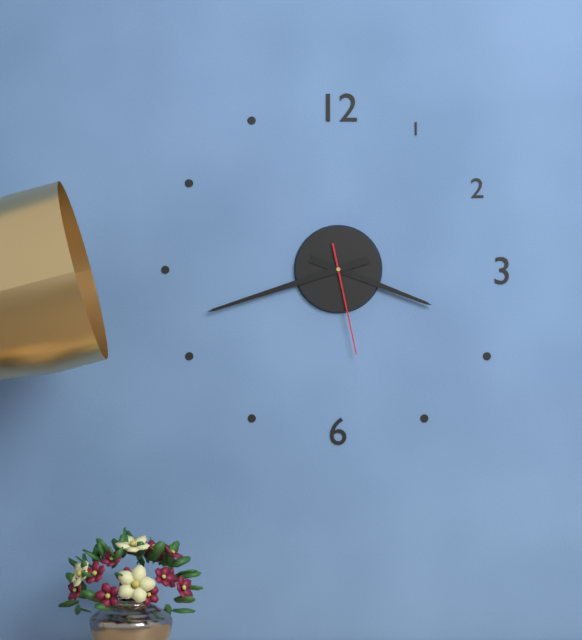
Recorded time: 3:42:28
